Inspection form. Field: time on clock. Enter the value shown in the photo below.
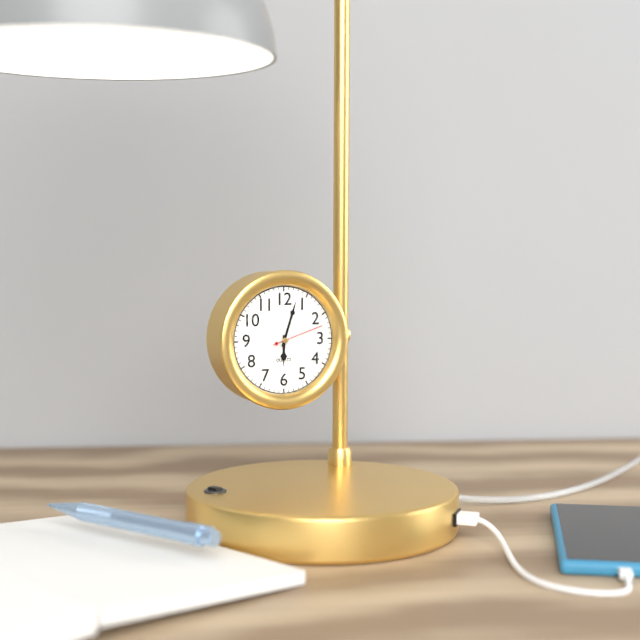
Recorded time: 6:03:12
